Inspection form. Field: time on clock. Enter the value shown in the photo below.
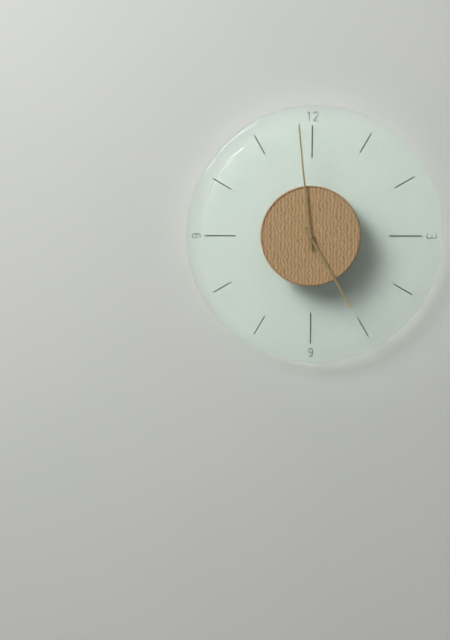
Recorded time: 4:59
